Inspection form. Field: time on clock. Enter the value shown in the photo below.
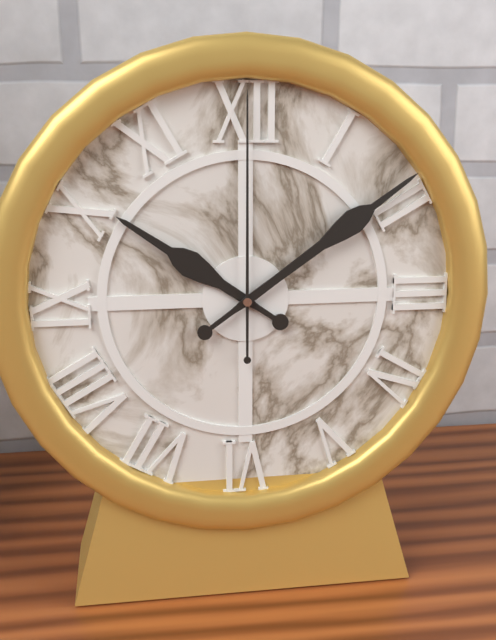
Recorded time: 10:09:00
